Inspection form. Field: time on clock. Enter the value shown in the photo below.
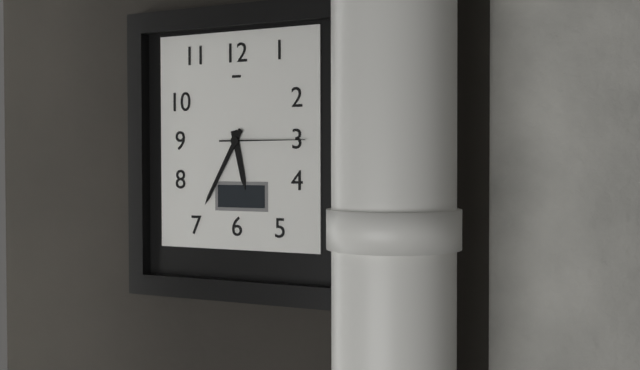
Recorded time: 5:35:15
